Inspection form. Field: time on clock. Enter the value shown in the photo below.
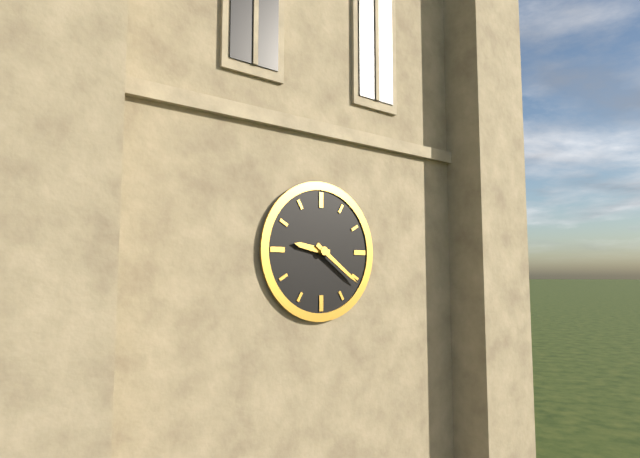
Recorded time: 9:21
